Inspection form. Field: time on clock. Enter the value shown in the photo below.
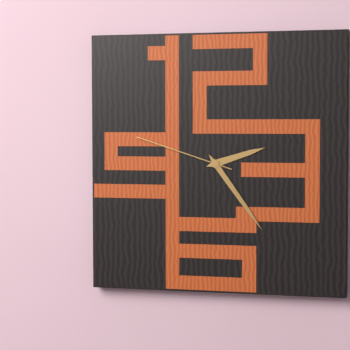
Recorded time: 2:24:48
